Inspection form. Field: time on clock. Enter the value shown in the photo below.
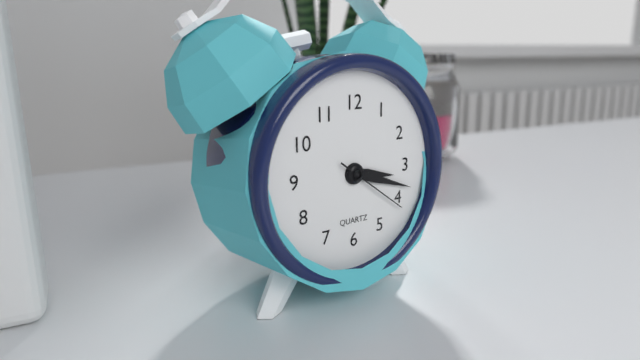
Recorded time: 3:18:21
